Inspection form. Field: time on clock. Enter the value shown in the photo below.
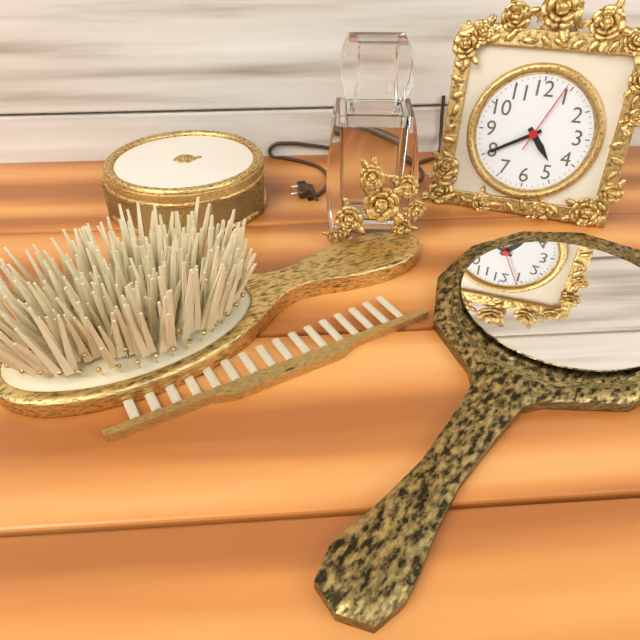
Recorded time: 4:40:04
